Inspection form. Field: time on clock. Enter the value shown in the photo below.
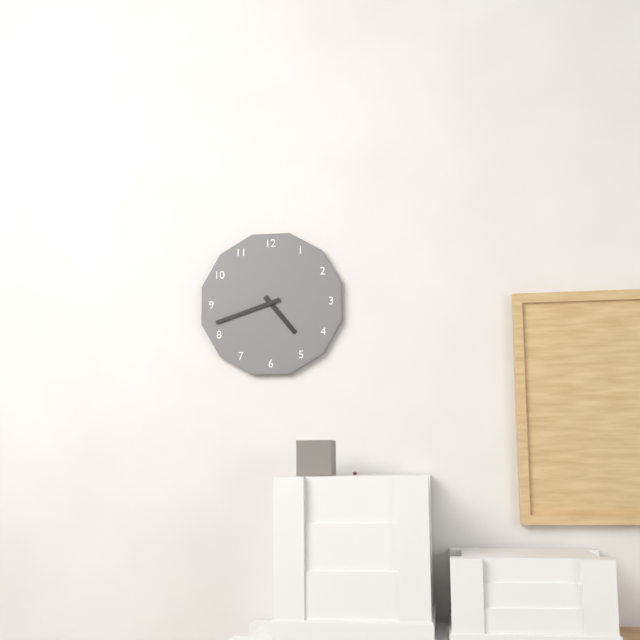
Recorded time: 4:42
